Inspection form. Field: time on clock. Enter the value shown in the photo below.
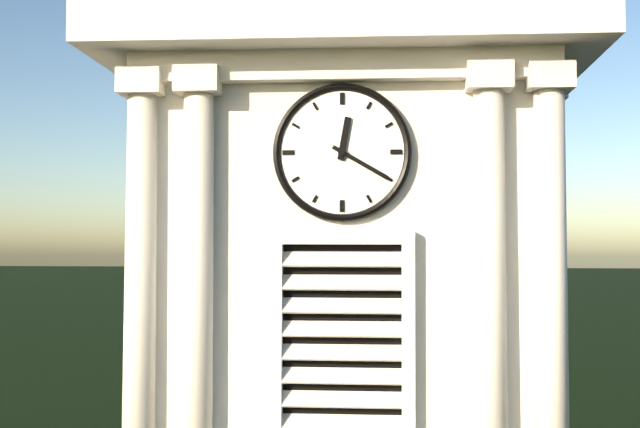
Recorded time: 12:20
